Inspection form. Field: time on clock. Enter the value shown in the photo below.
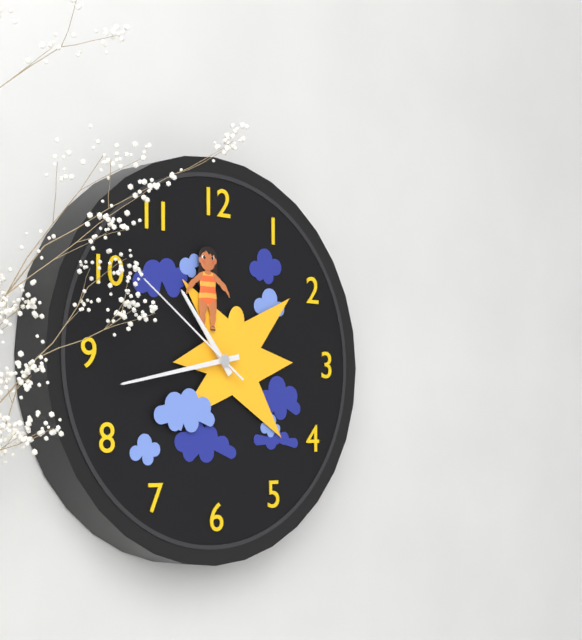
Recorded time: 10:43:51
